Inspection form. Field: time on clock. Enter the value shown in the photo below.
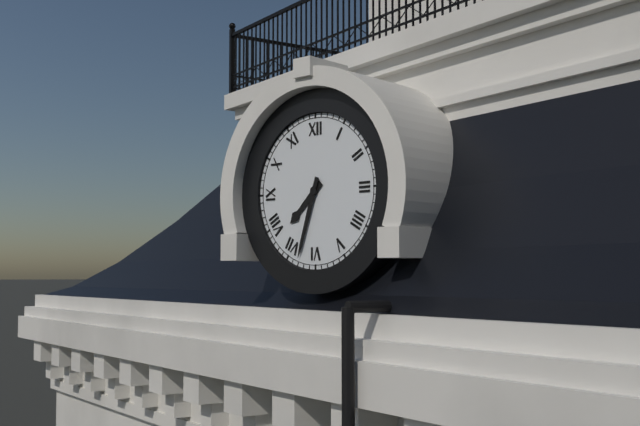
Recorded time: 7:33
